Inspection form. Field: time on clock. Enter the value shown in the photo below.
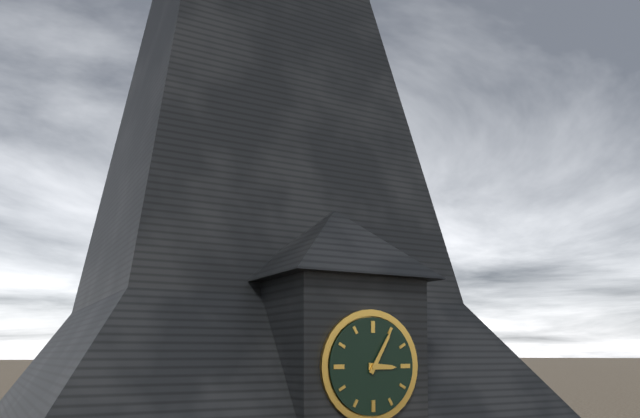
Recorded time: 3:05
